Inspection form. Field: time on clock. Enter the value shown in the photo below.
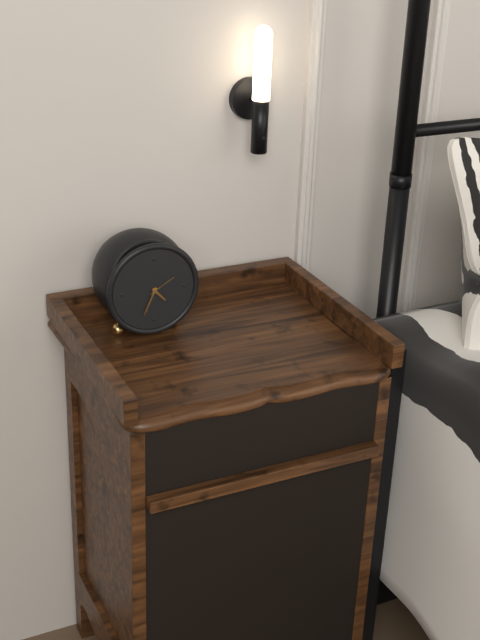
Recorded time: 4:34
